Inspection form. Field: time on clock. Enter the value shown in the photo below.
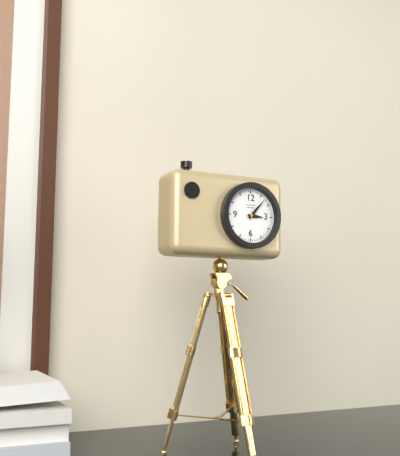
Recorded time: 3:07
